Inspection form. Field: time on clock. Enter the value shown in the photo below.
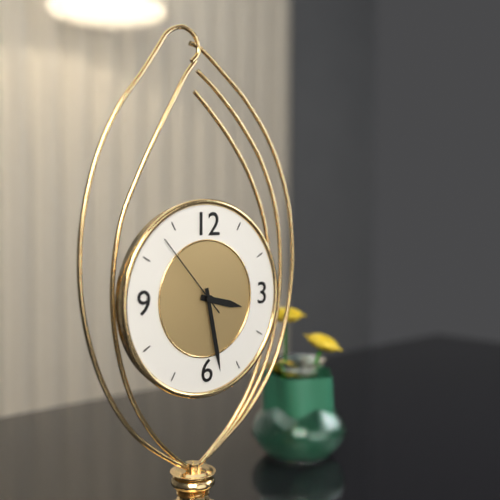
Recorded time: 3:28:53
